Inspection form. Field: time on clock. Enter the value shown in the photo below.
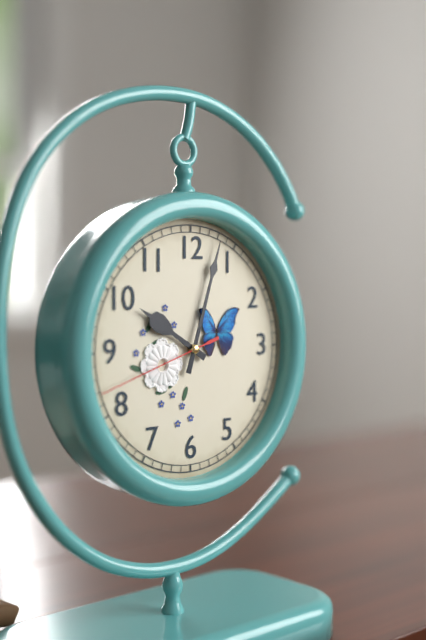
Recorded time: 10:03:42
